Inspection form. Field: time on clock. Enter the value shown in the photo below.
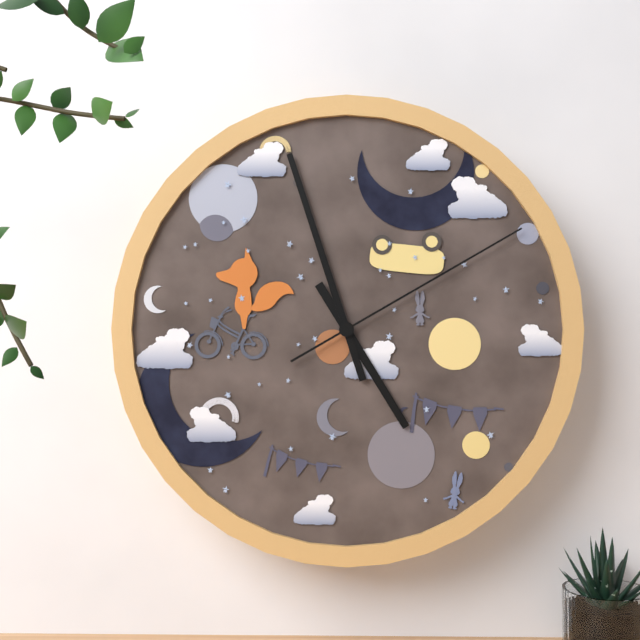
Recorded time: 4:57:10
